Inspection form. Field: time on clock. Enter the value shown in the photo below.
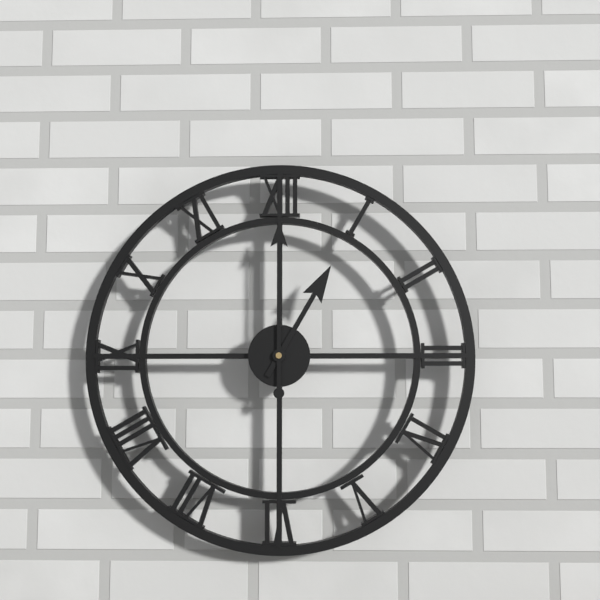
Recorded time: 1:00
